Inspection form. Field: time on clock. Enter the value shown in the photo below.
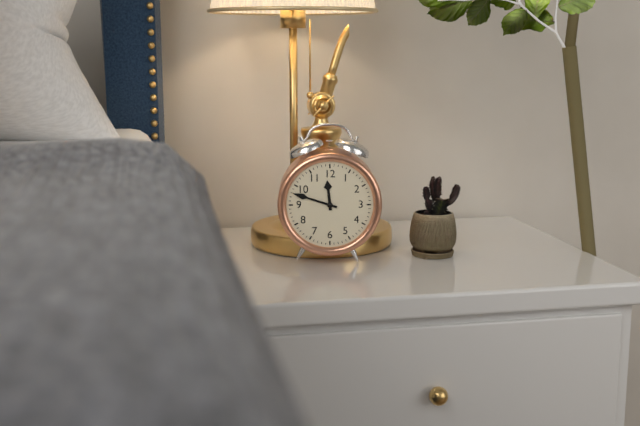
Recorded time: 11:48
